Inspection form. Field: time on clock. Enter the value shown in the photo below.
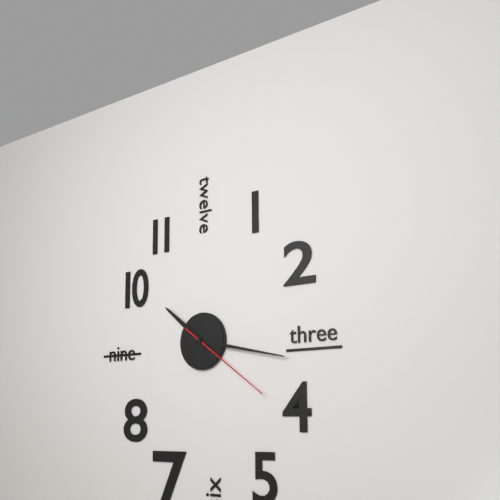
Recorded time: 10:17:21
